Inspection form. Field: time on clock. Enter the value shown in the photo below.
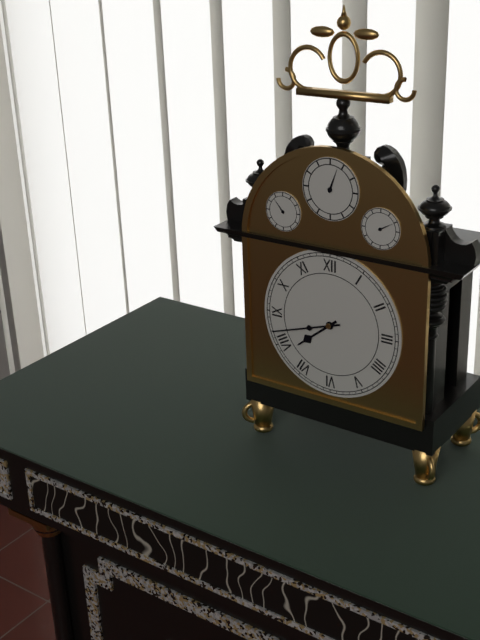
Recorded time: 7:42
